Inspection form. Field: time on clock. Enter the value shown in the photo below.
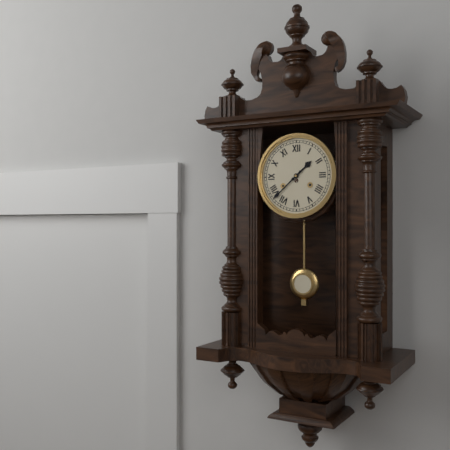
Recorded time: 1:38
